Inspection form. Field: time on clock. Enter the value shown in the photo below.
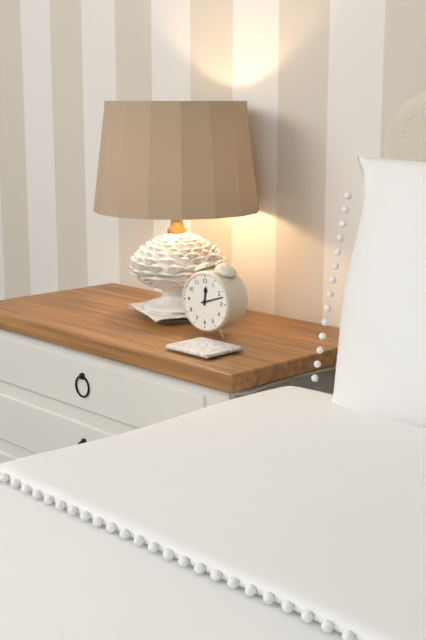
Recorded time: 12:12
